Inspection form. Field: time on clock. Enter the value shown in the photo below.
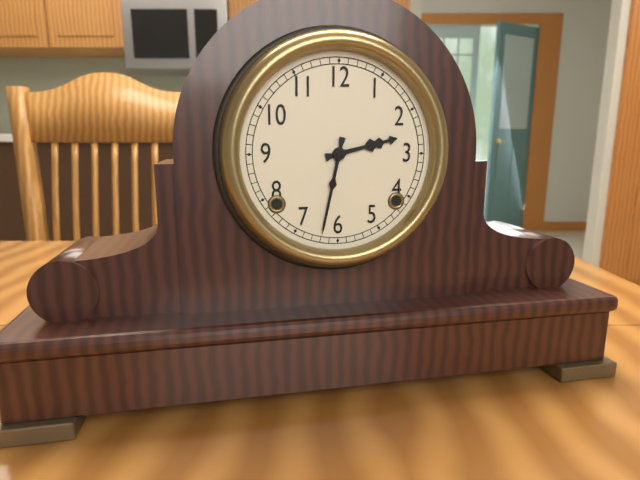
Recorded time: 2:32
